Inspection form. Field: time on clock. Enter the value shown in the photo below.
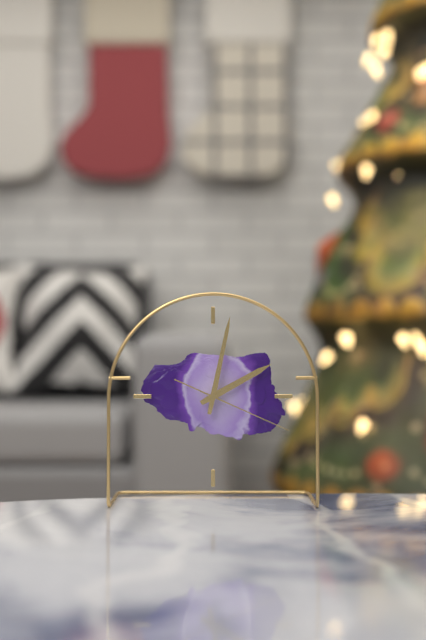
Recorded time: 2:02:19
